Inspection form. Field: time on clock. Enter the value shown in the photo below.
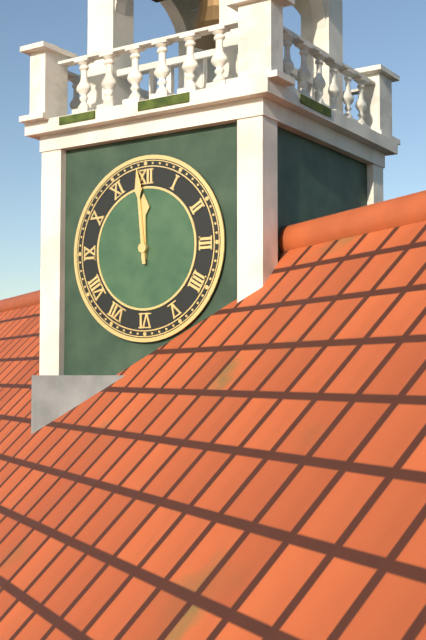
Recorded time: 11:59
